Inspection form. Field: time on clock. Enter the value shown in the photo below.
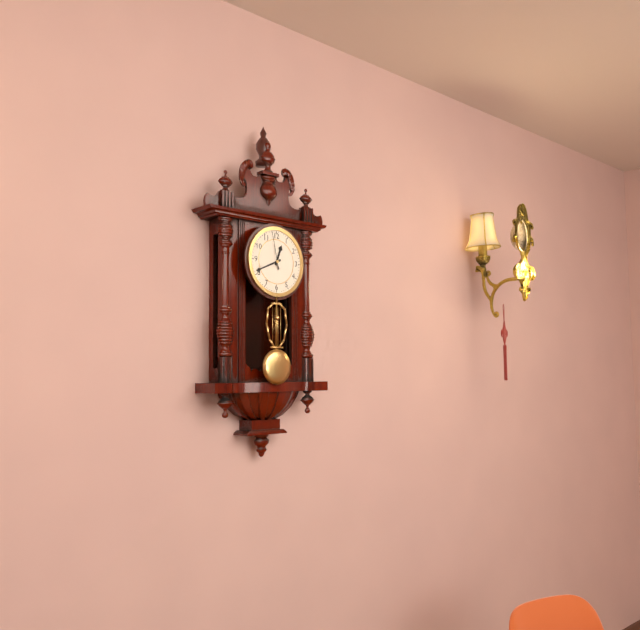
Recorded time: 12:41
